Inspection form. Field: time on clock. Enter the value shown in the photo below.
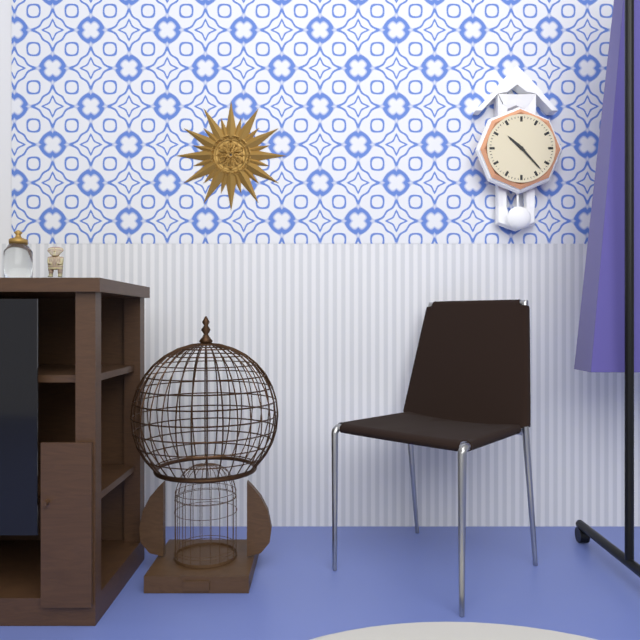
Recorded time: 10:23
